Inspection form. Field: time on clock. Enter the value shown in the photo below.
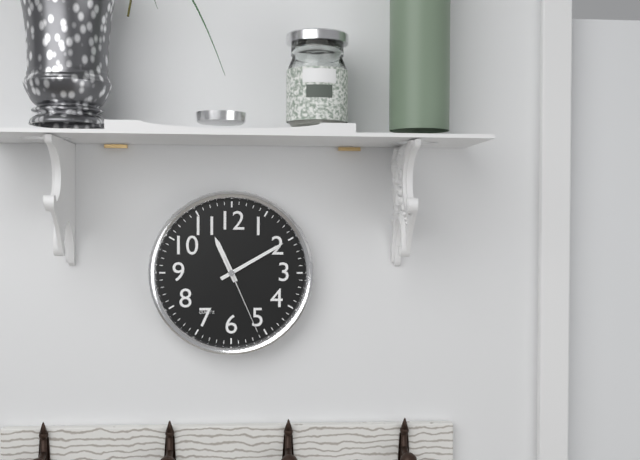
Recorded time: 11:10:26
